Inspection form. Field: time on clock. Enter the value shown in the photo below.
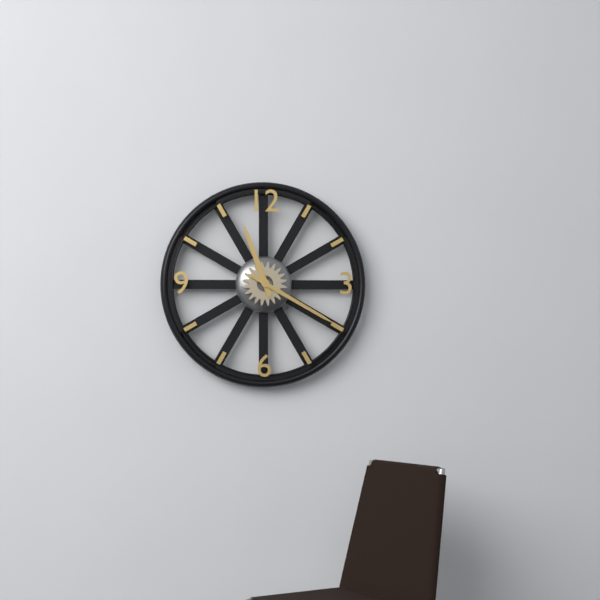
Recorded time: 11:20
